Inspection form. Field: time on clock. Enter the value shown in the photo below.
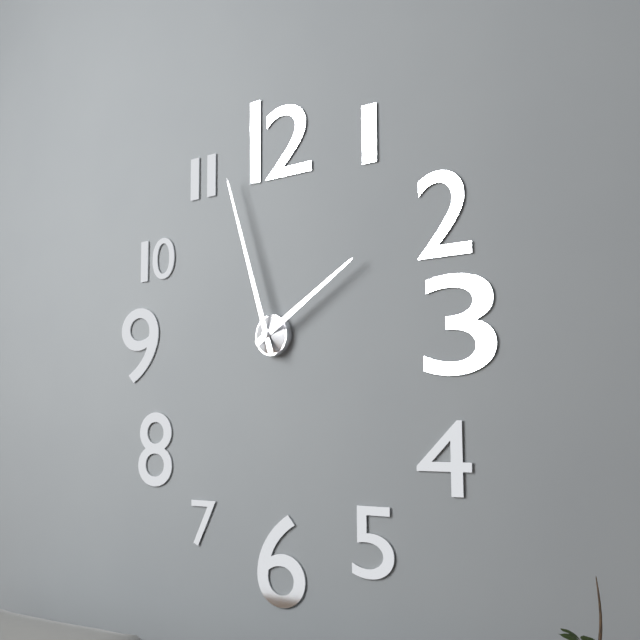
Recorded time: 1:57
